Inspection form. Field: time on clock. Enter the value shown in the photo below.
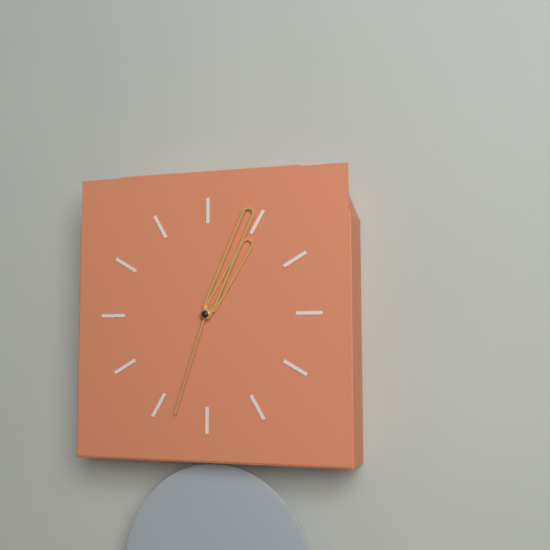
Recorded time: 1:04:33
